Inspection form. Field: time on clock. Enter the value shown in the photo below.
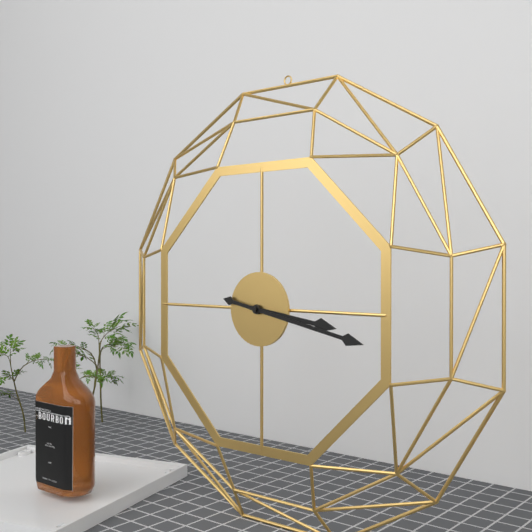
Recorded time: 3:17
